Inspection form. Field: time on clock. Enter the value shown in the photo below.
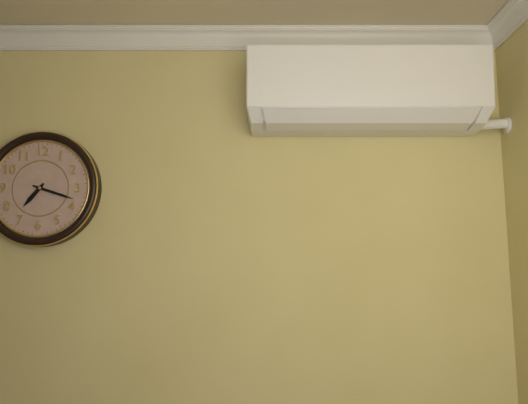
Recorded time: 7:18
